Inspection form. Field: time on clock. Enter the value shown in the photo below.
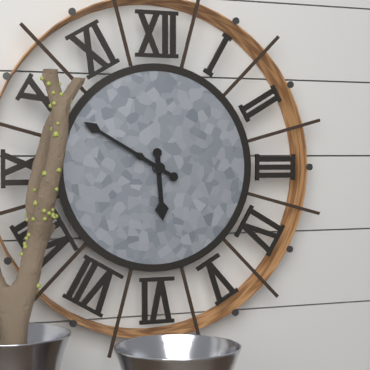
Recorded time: 5:50
